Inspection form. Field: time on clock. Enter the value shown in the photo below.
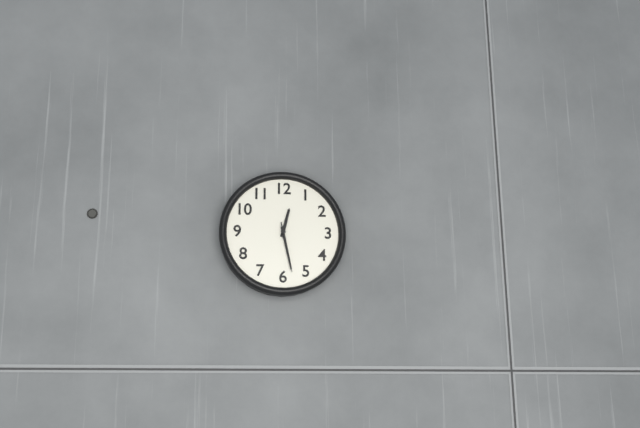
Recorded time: 12:28:28
